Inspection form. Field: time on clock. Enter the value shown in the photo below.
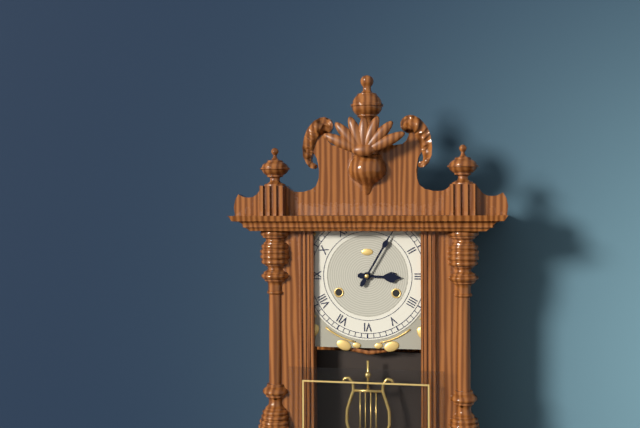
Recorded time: 3:05
